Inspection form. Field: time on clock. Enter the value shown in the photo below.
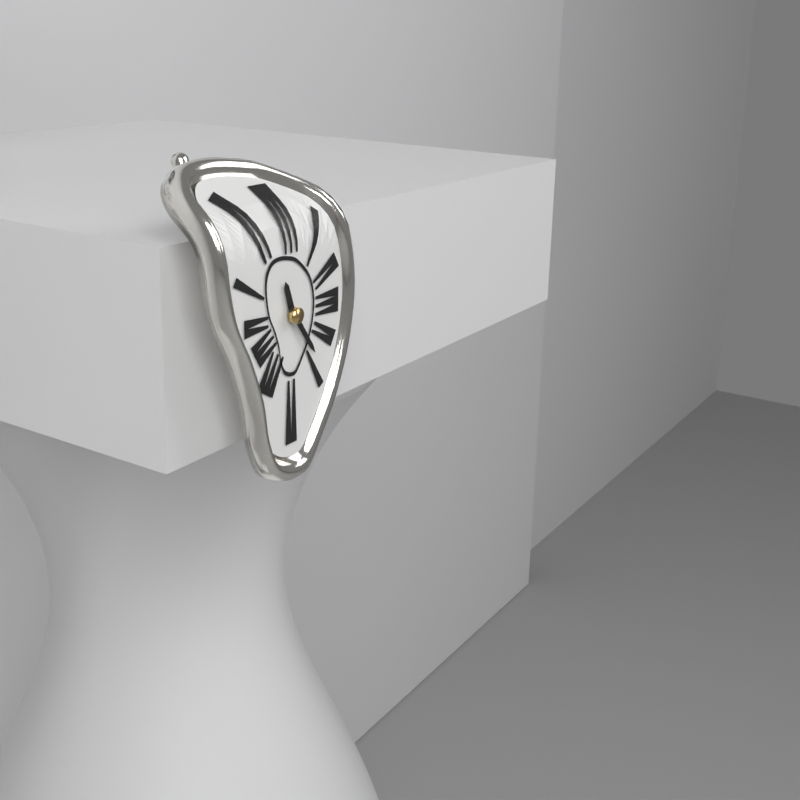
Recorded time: 11:24
